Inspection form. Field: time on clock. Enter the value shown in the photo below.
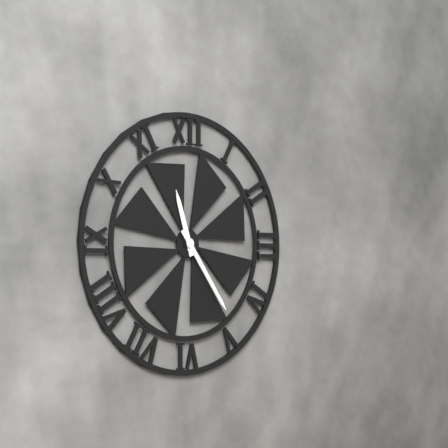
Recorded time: 11:24
